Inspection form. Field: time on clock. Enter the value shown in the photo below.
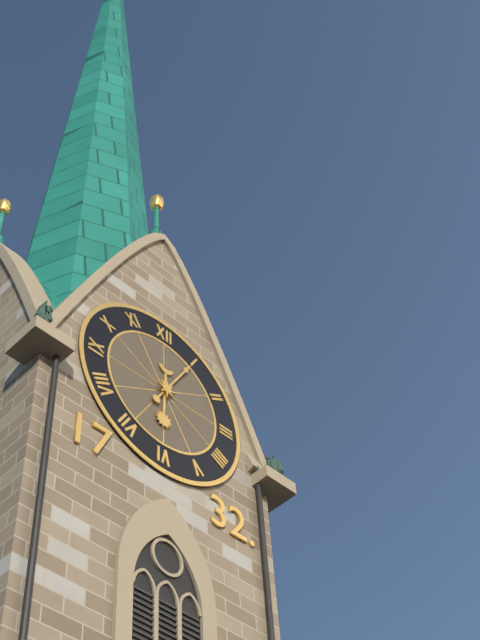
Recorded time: 6:05
